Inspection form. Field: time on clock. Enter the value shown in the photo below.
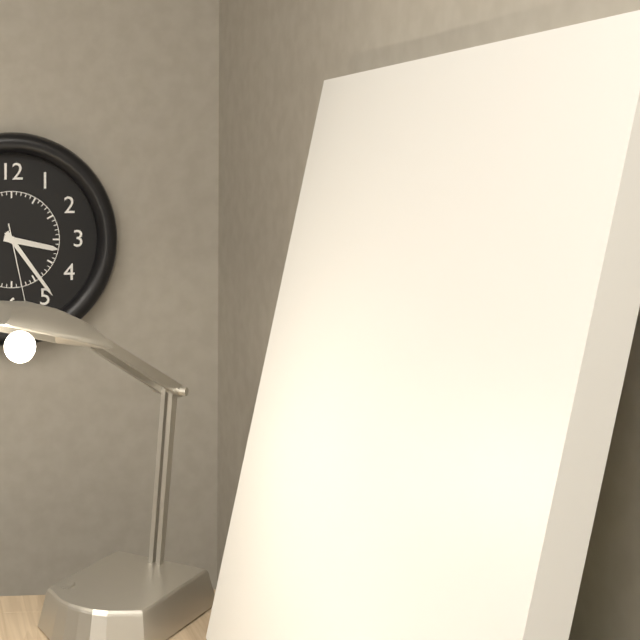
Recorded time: 3:24:28
